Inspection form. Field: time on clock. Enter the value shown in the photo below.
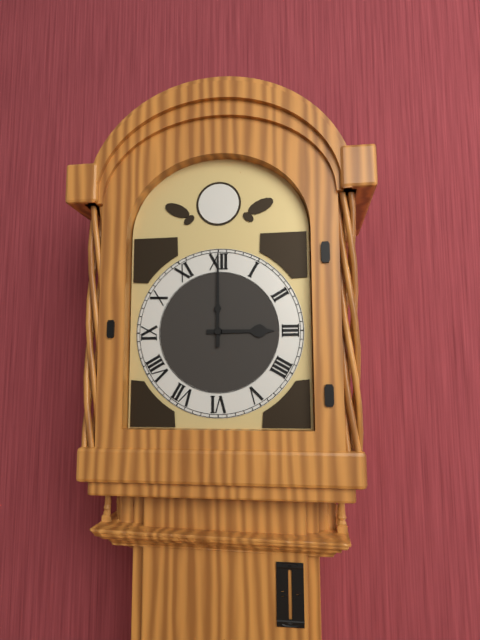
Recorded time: 3:00
